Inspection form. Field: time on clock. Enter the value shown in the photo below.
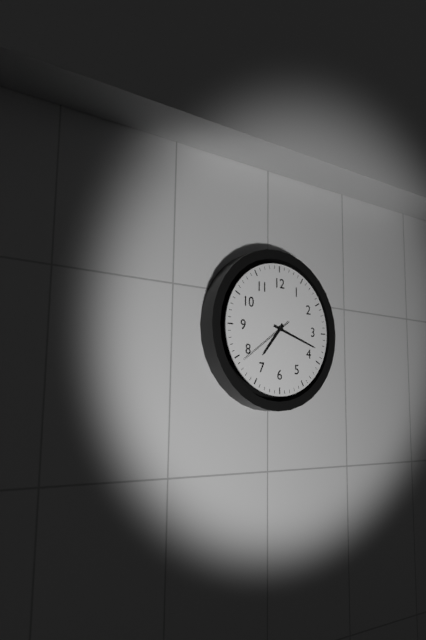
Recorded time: 7:18:39
